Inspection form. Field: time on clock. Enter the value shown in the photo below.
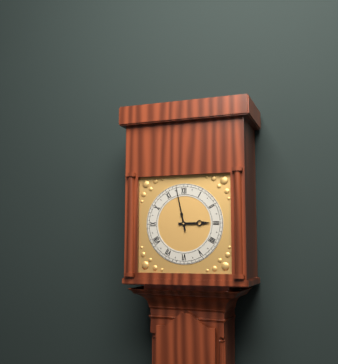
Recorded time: 2:58
